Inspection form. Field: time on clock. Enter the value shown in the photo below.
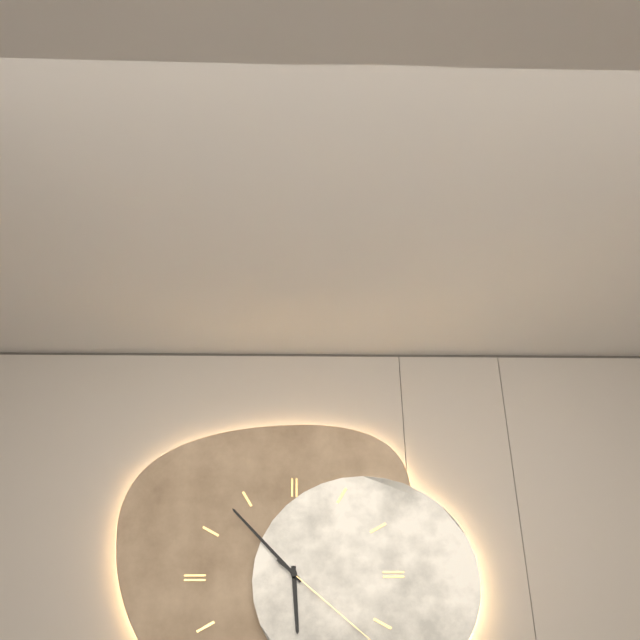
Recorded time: 5:53
